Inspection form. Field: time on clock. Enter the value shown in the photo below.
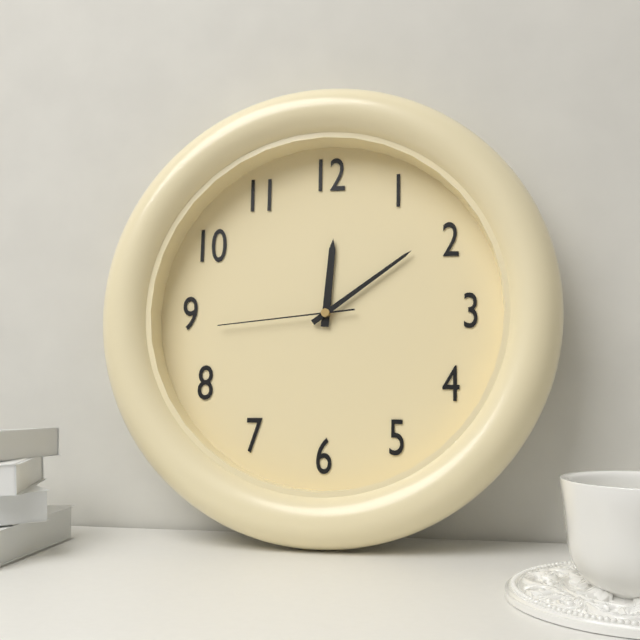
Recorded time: 12:09:44
